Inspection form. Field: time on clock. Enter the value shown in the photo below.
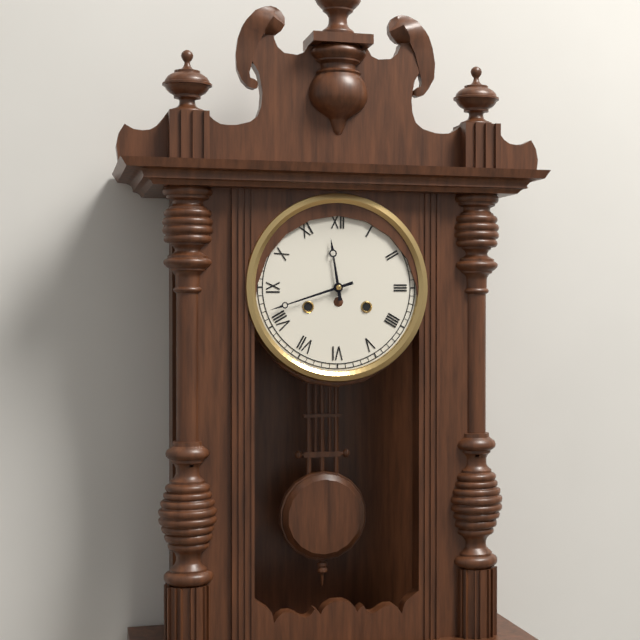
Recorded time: 11:42
